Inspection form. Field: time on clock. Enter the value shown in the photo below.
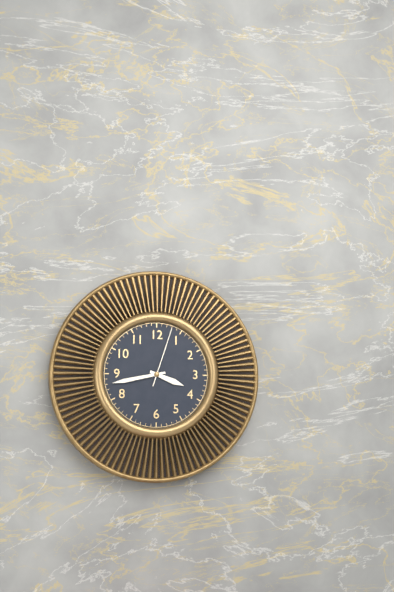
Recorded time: 3:43:03
